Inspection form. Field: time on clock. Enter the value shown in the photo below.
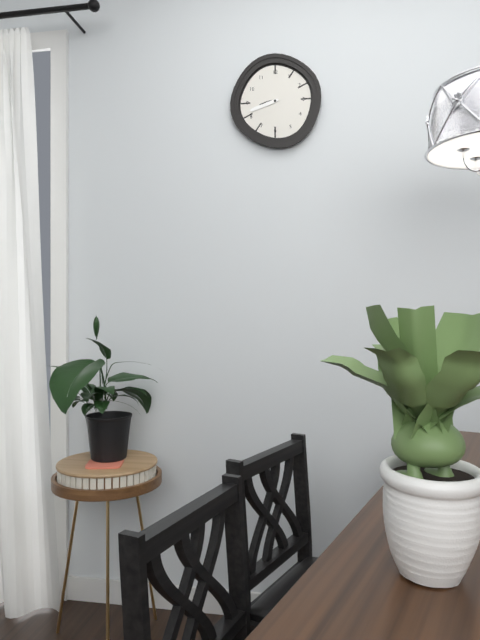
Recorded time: 8:42
